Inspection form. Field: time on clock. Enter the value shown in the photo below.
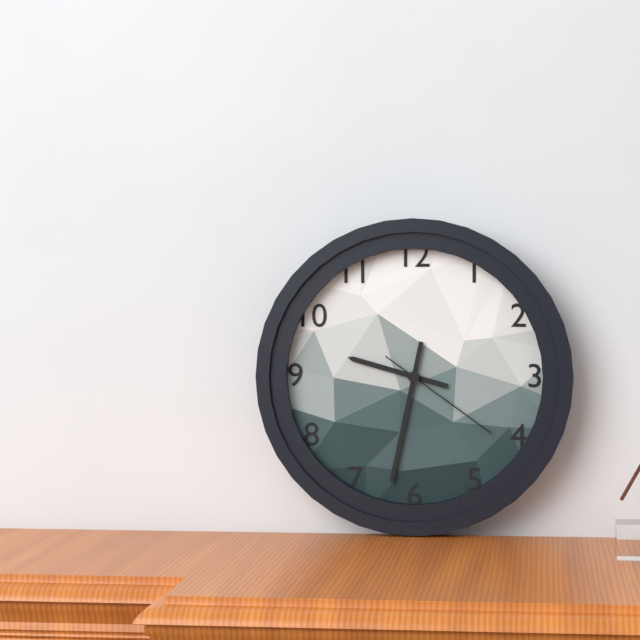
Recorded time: 9:32:21
